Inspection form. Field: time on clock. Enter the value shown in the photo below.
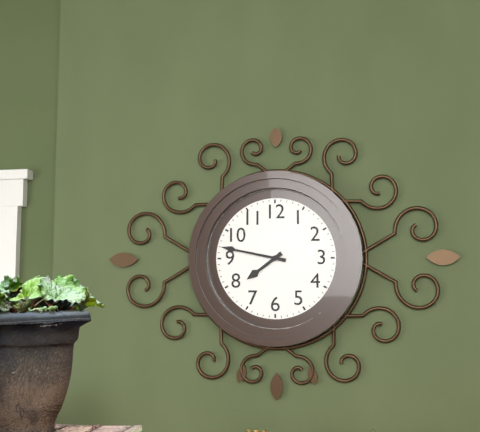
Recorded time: 7:47
